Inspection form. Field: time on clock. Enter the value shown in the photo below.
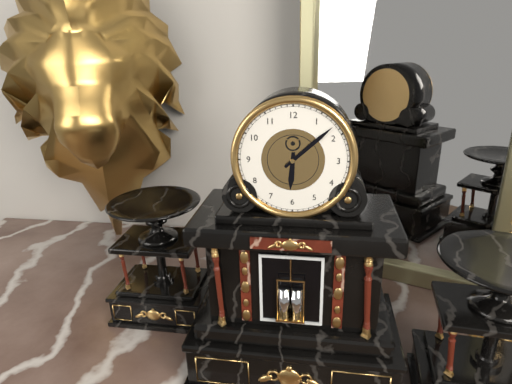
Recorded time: 6:08
